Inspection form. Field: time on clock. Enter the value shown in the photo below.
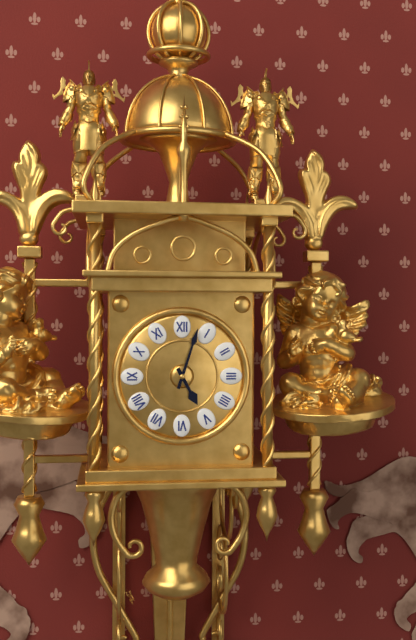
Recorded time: 5:03
